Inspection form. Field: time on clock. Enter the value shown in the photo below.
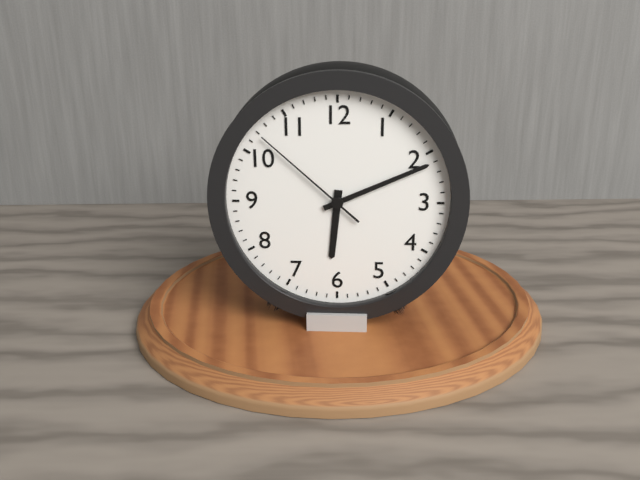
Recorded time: 6:11:52
